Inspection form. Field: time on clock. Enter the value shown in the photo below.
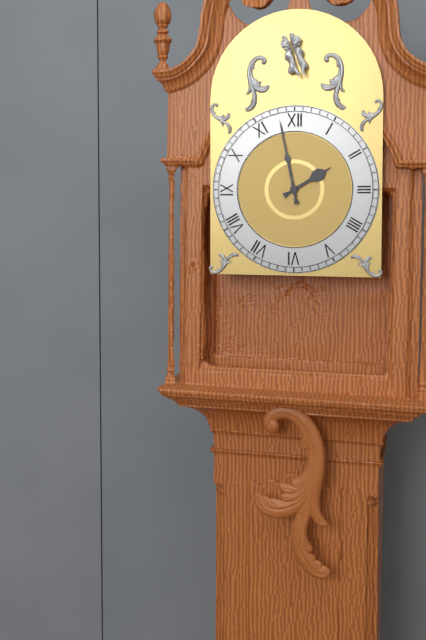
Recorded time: 1:58
